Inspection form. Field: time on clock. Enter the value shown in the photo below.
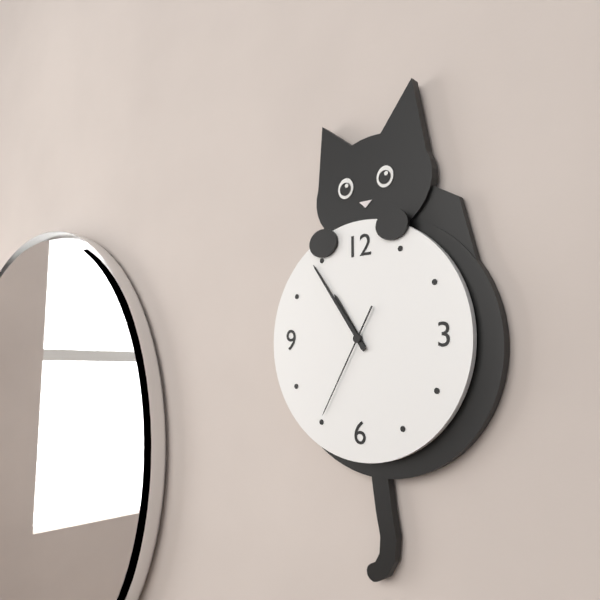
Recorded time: 10:54:35
